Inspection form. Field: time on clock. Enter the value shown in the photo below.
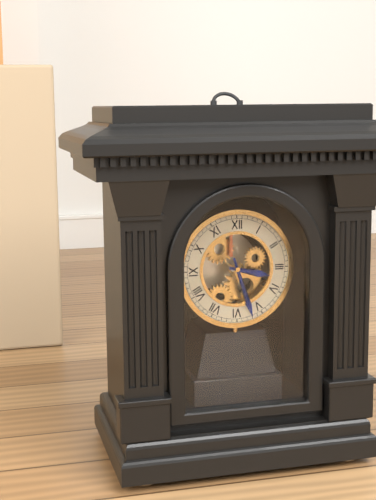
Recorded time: 3:27
